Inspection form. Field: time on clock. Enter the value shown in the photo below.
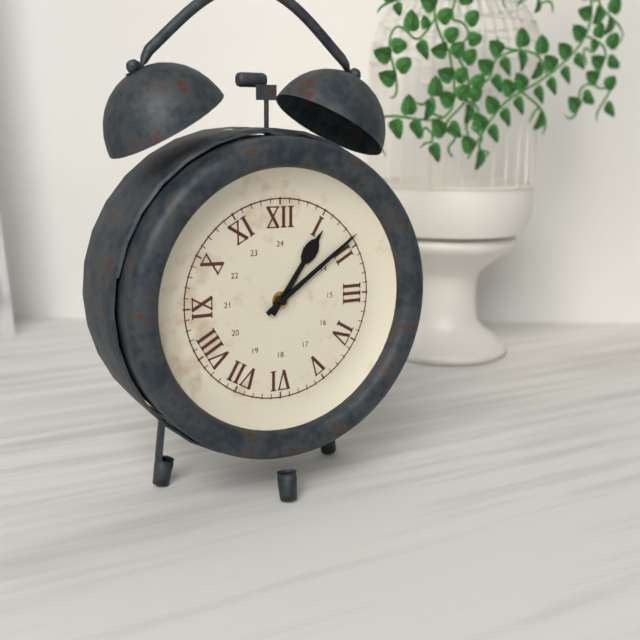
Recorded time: 1:09
